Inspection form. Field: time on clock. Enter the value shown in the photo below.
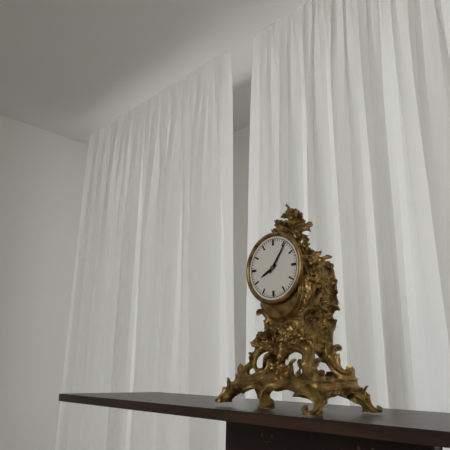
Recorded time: 8:06
